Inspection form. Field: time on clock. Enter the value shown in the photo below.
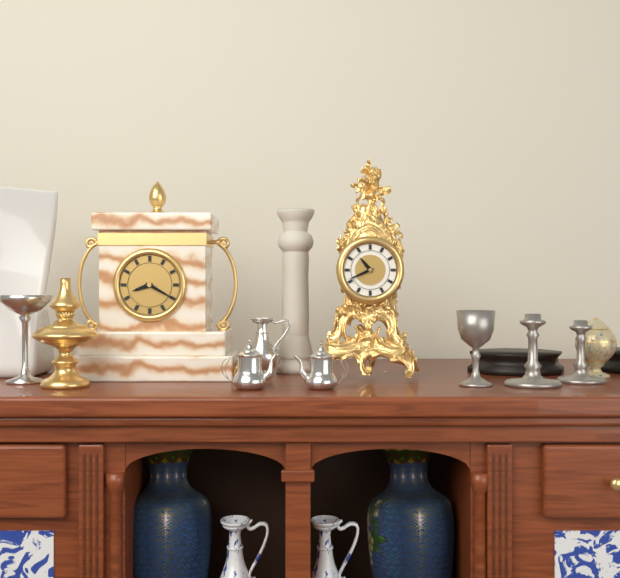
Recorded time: 10:41
